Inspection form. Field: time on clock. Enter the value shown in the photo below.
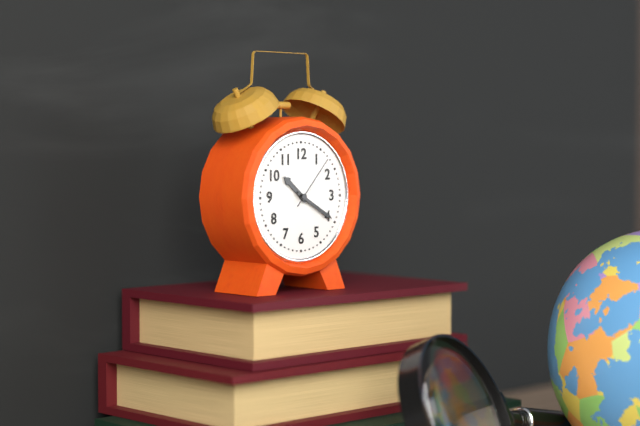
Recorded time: 10:20:07
